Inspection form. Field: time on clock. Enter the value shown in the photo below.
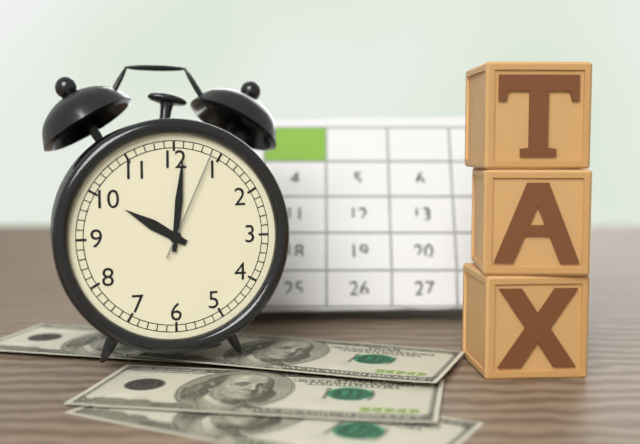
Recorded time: 10:01:04
